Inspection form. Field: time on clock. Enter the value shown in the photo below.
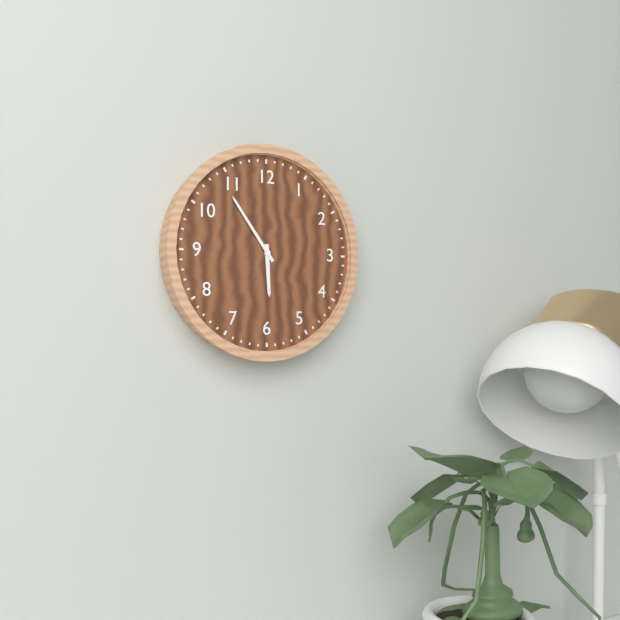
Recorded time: 5:54
